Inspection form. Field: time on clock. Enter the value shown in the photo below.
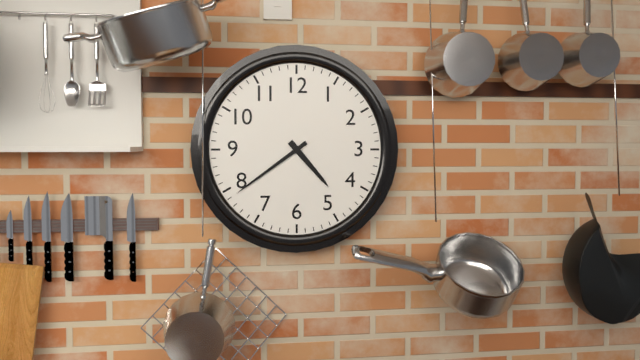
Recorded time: 4:39
